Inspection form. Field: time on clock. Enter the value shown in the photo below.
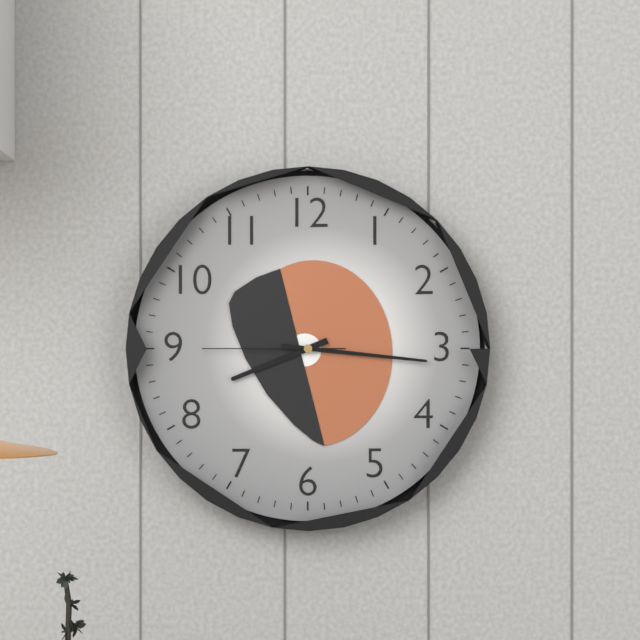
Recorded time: 8:16:45
